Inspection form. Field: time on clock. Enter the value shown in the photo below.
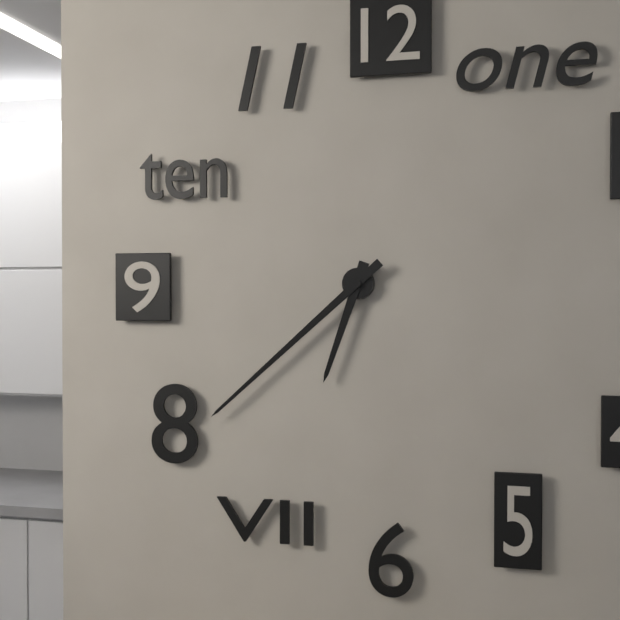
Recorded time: 6:38
